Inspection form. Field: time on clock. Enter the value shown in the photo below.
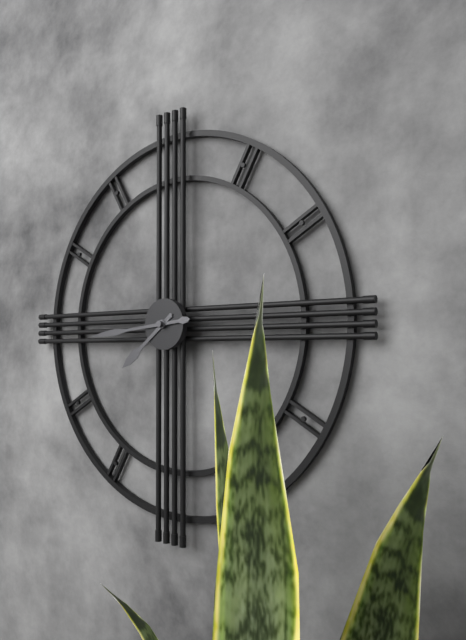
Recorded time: 7:44
